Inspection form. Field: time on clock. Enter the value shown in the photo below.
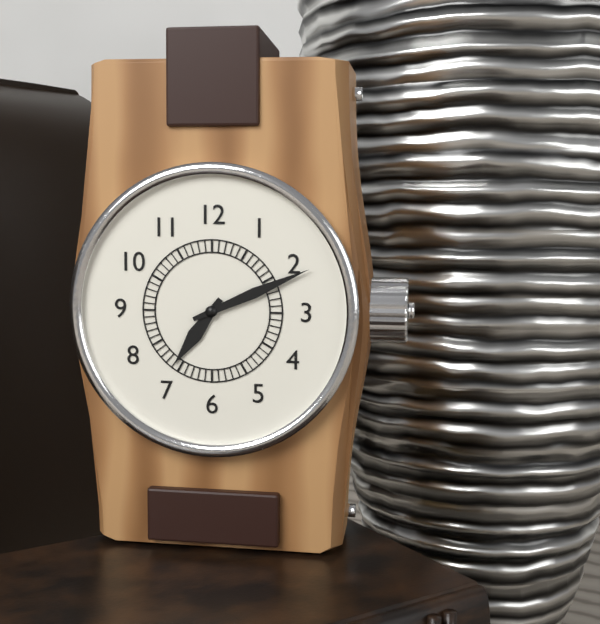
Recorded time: 7:11
